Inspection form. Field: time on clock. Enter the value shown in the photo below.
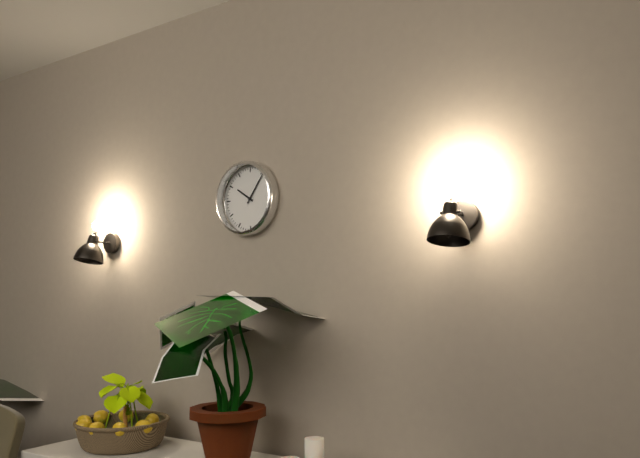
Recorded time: 10:06
